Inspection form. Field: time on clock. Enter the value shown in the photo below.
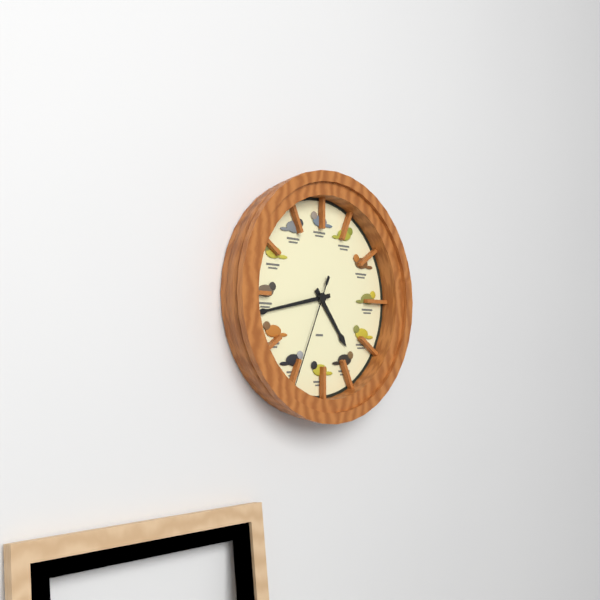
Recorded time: 4:43:34
